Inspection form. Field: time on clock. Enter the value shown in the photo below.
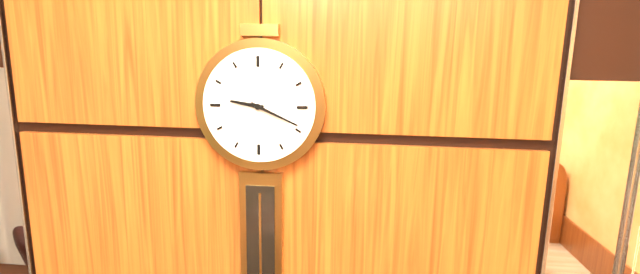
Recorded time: 9:19
